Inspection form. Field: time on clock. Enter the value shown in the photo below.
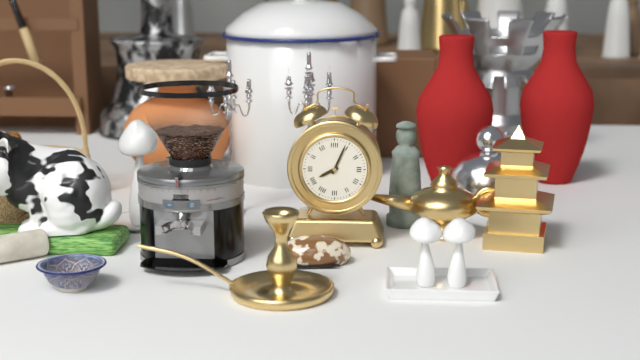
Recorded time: 8:04
